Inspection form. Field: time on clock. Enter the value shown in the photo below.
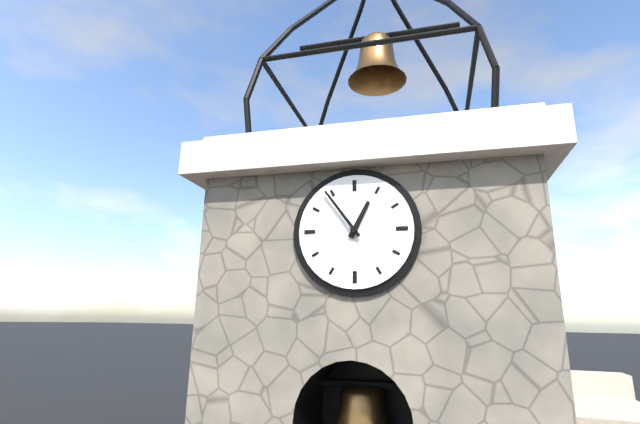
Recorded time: 12:54
